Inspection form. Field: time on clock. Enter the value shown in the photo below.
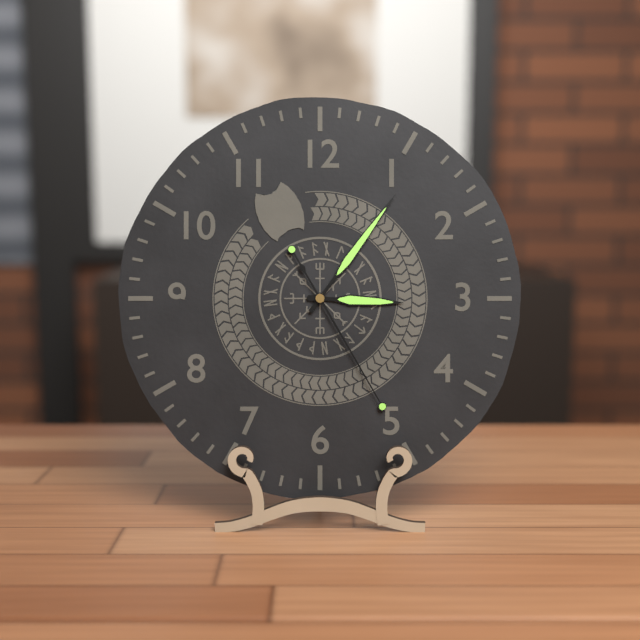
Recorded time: 3:06:25
